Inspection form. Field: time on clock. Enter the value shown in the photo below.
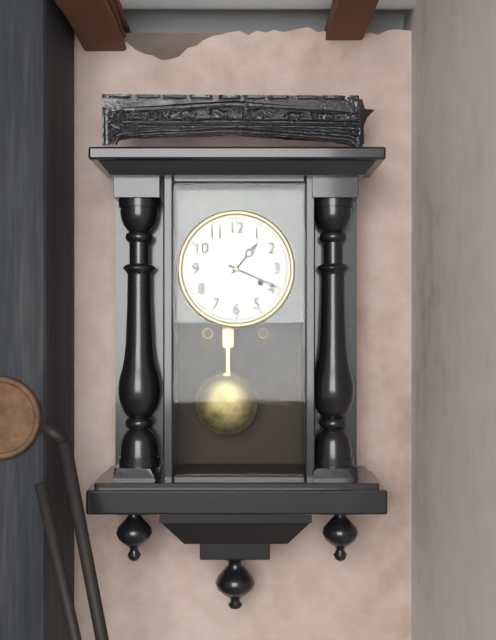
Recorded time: 1:19
